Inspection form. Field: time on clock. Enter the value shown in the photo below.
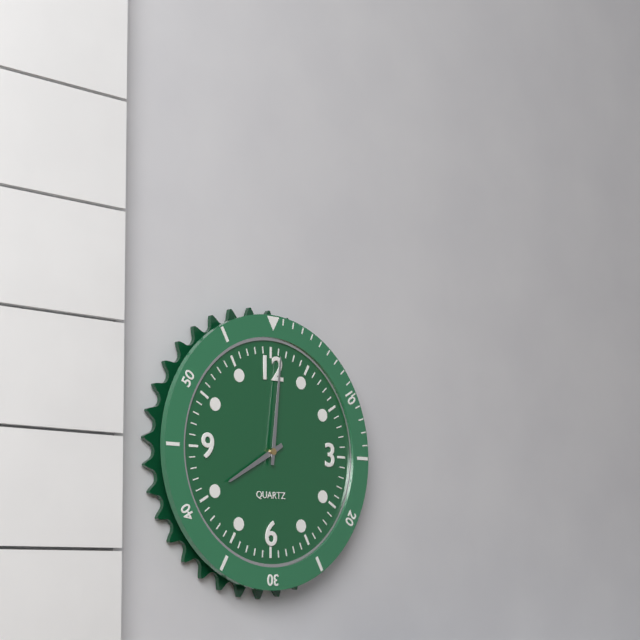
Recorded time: 8:01
